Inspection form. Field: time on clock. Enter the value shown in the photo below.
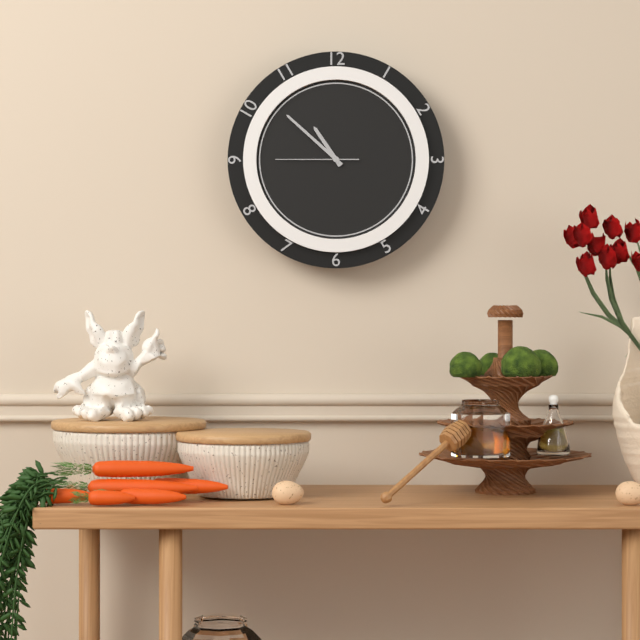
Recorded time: 10:52:45
